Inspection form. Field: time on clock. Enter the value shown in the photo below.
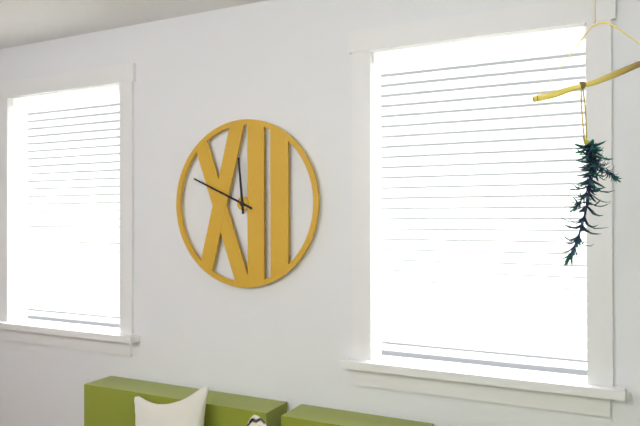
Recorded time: 11:49
